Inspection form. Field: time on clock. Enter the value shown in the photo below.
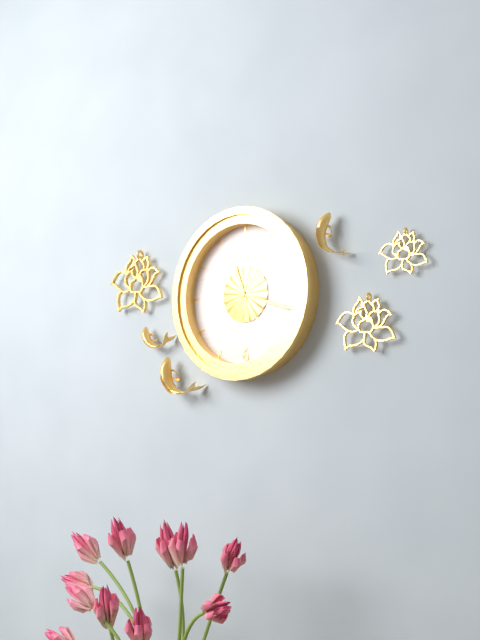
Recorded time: 11:18
